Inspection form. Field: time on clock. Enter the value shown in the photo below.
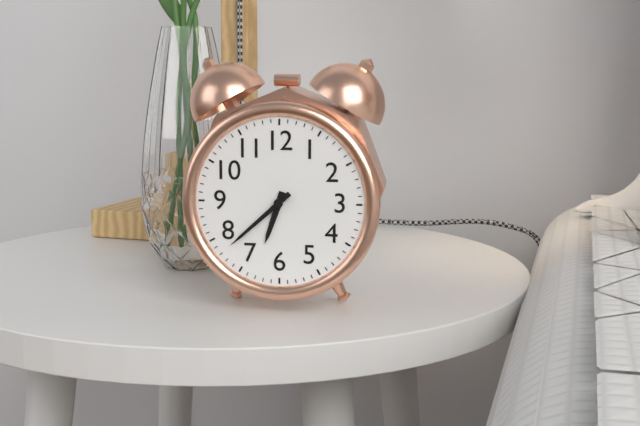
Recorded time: 6:38
